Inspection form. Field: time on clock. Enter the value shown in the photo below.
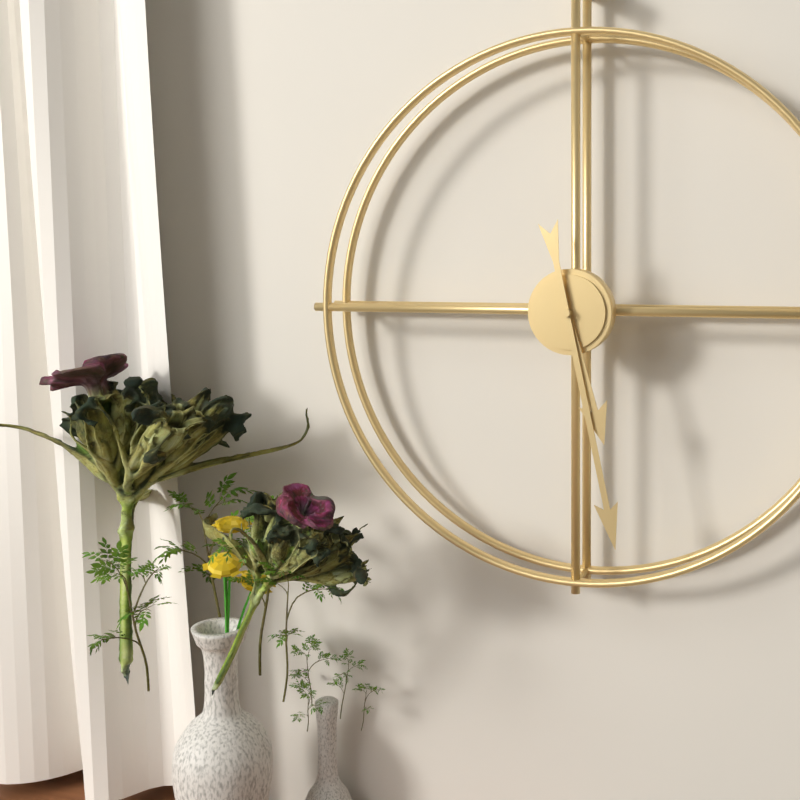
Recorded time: 5:28
